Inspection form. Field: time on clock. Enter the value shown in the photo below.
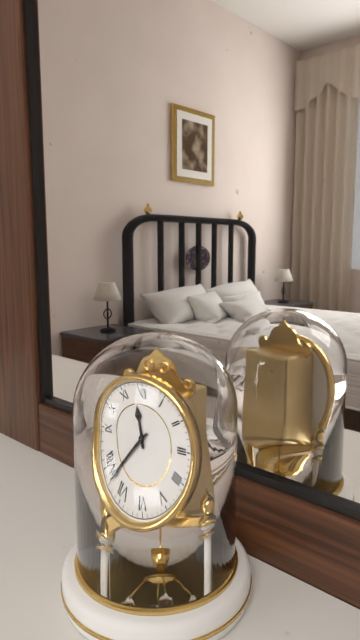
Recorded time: 11:38
